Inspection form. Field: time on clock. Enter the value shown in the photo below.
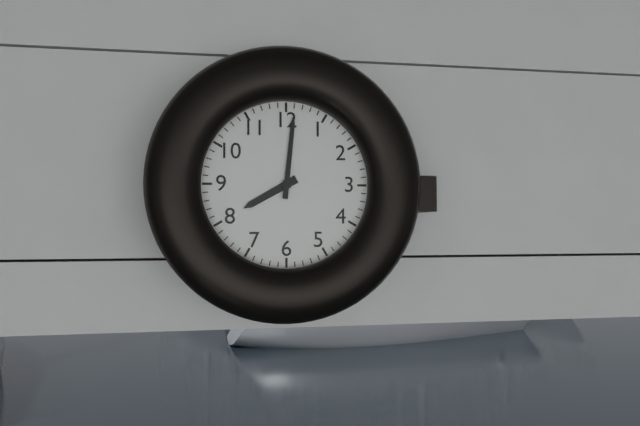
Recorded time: 8:01
